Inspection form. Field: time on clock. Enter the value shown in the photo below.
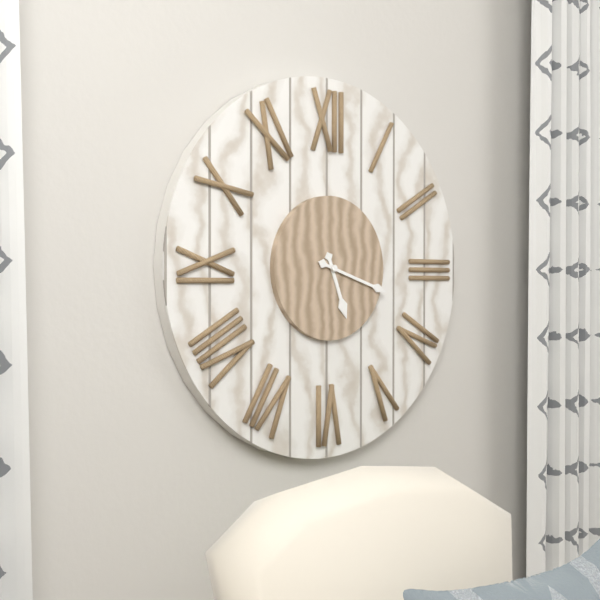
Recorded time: 5:18
